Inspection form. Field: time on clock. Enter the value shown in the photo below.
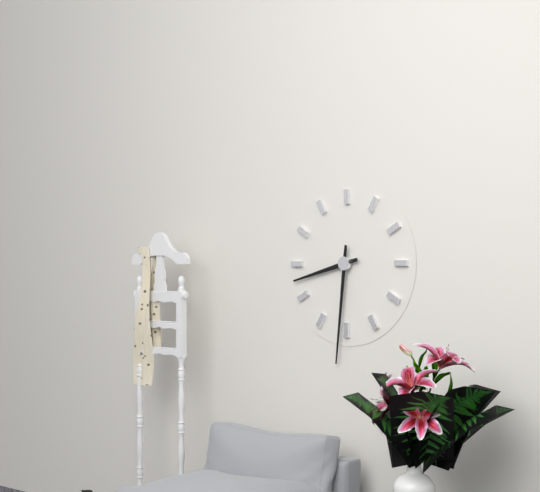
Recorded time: 8:31
